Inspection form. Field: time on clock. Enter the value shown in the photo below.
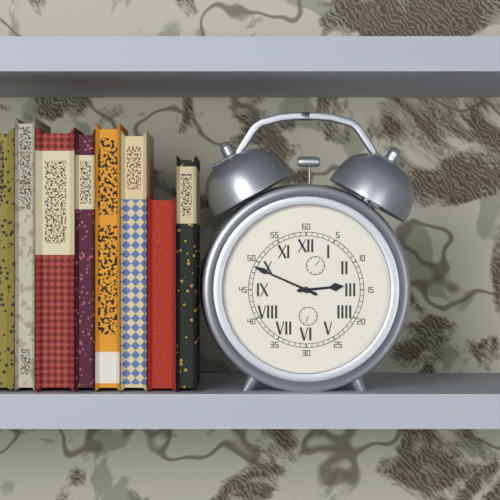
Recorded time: 2:49
